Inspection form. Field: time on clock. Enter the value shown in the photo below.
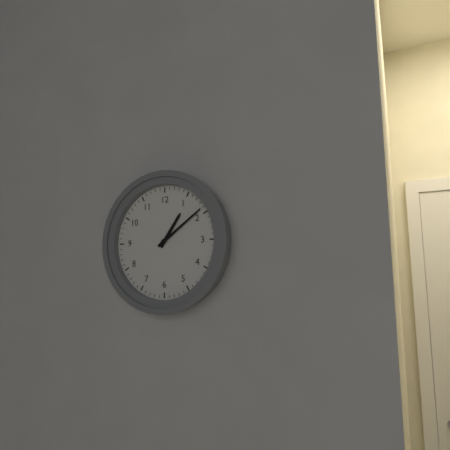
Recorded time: 1:09
